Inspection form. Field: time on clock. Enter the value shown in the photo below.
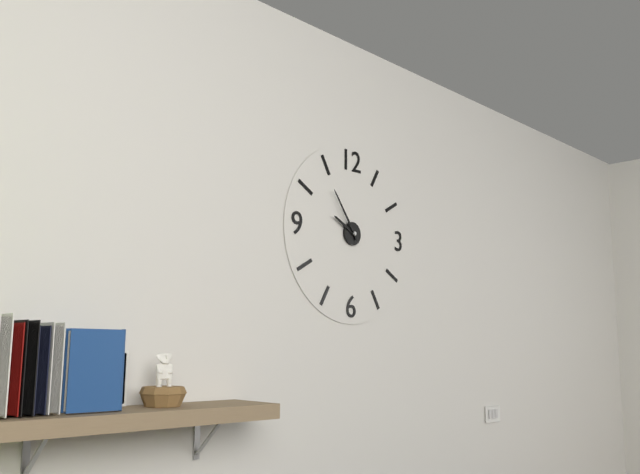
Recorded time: 9:54
